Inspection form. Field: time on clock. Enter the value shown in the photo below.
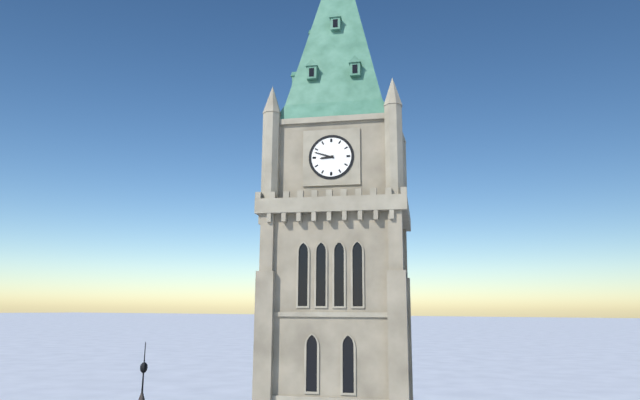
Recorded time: 8:48
